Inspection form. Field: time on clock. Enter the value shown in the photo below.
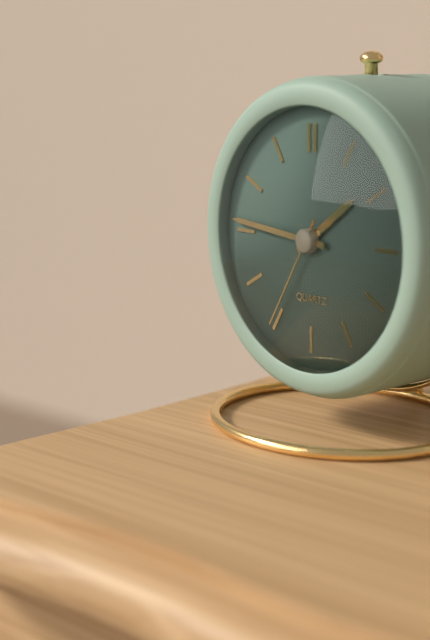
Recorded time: 1:46:35
